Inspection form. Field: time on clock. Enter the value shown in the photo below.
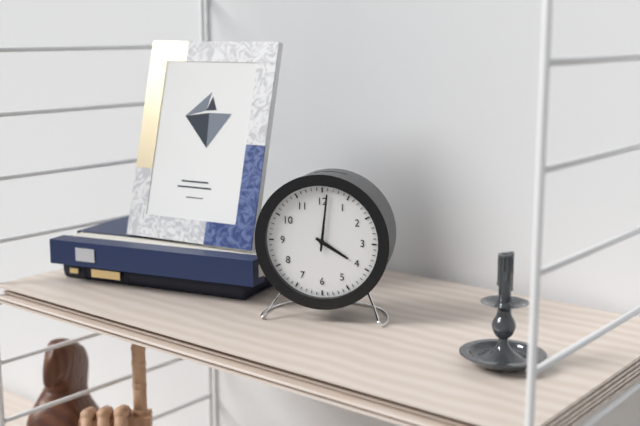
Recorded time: 4:01
